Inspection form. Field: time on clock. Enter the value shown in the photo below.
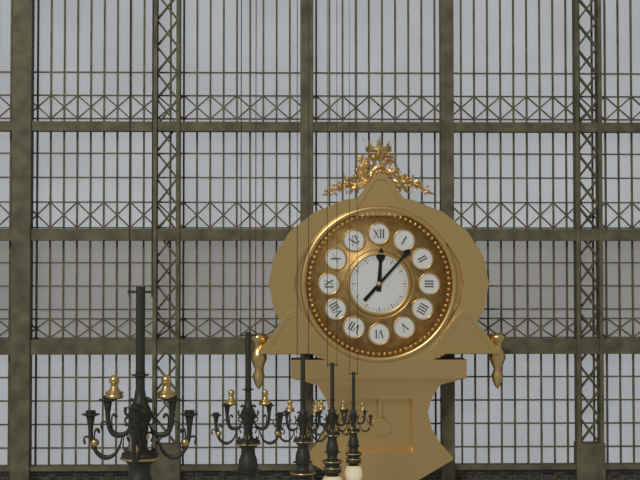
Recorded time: 12:07
